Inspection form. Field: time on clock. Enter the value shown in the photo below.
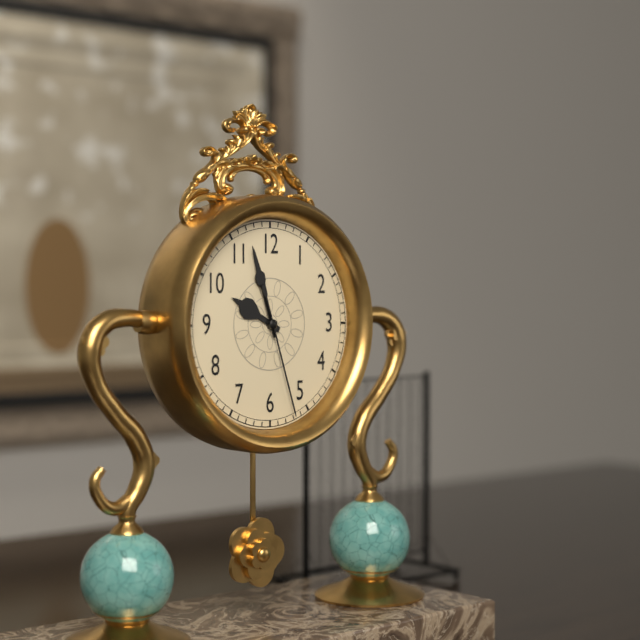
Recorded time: 9:57:27
